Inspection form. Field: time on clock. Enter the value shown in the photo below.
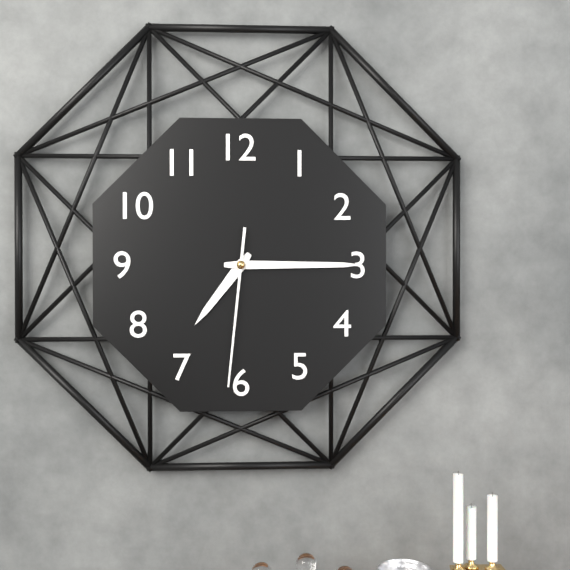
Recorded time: 7:15:31
